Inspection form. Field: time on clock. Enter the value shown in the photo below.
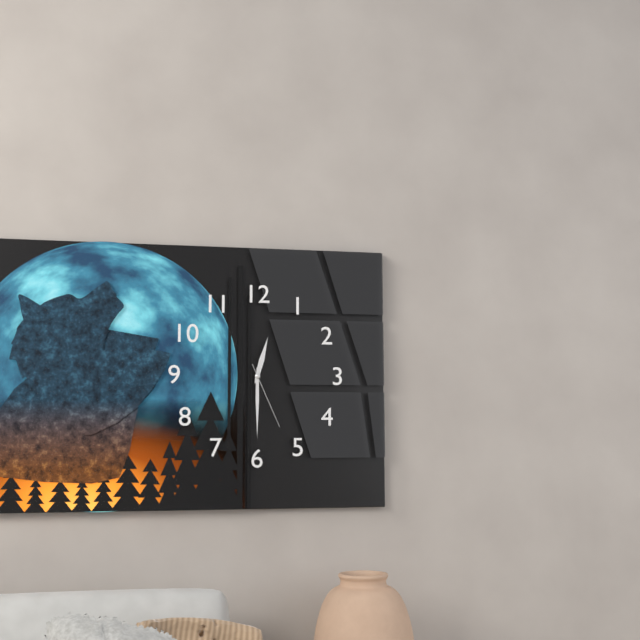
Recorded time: 12:30:26
